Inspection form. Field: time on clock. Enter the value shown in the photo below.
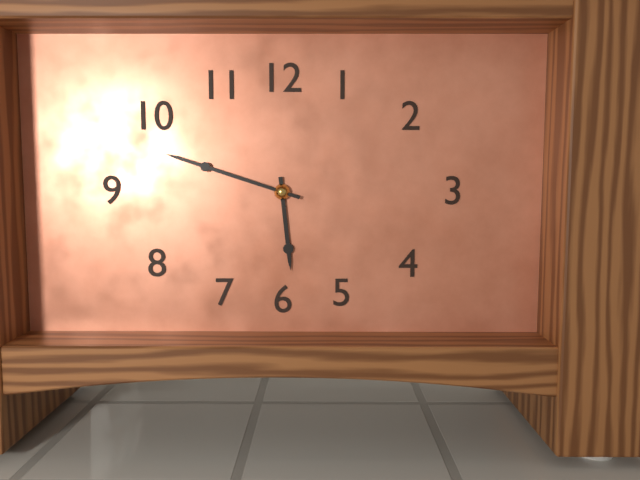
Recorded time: 5:48
